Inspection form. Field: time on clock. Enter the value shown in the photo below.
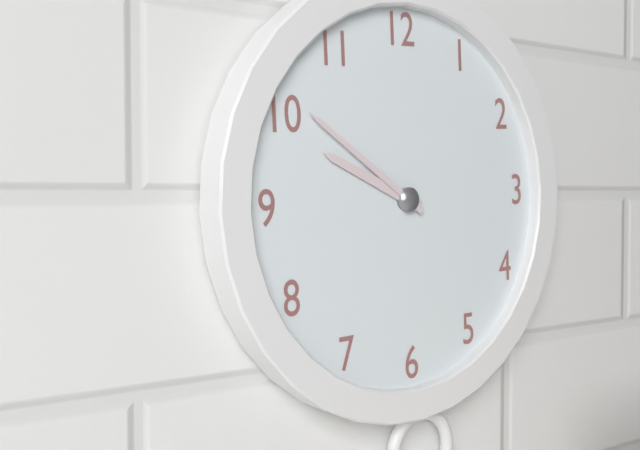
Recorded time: 9:51
